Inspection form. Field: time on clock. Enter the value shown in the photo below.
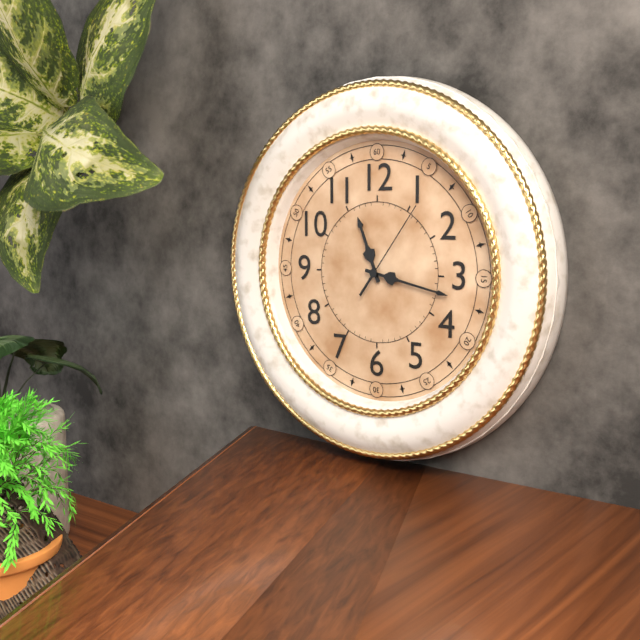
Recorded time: 11:17:06
